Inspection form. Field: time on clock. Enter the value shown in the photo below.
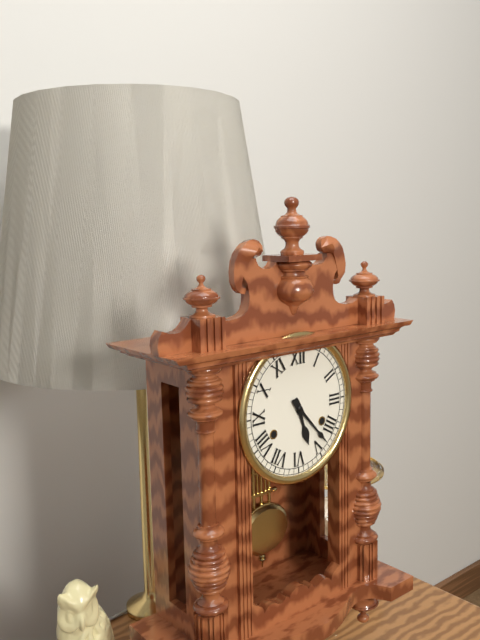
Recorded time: 5:23
